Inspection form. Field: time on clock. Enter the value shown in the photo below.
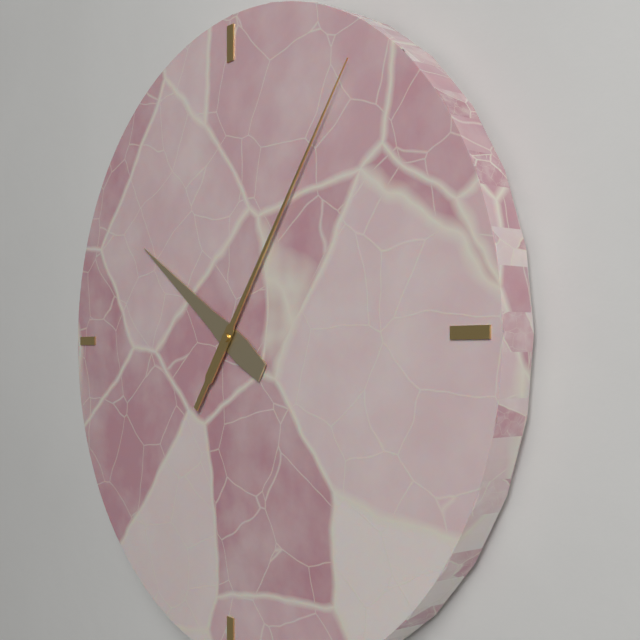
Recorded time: 10:06
